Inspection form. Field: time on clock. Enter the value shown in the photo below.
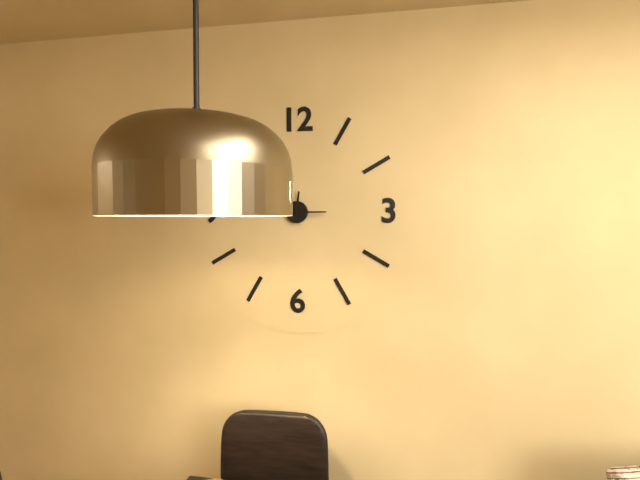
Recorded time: 12:15
